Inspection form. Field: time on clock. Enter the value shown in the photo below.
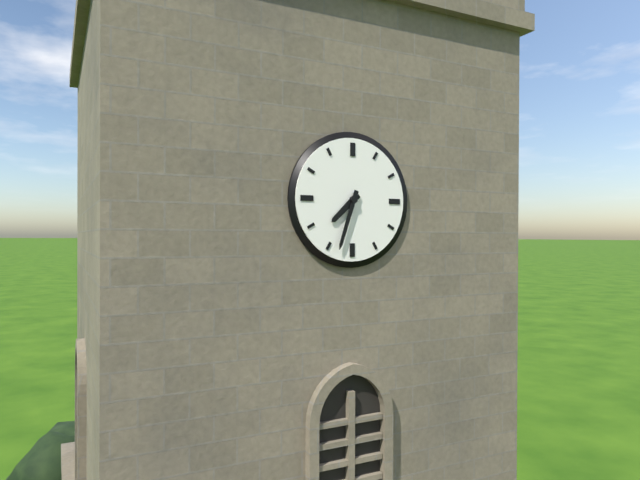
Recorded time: 7:33
